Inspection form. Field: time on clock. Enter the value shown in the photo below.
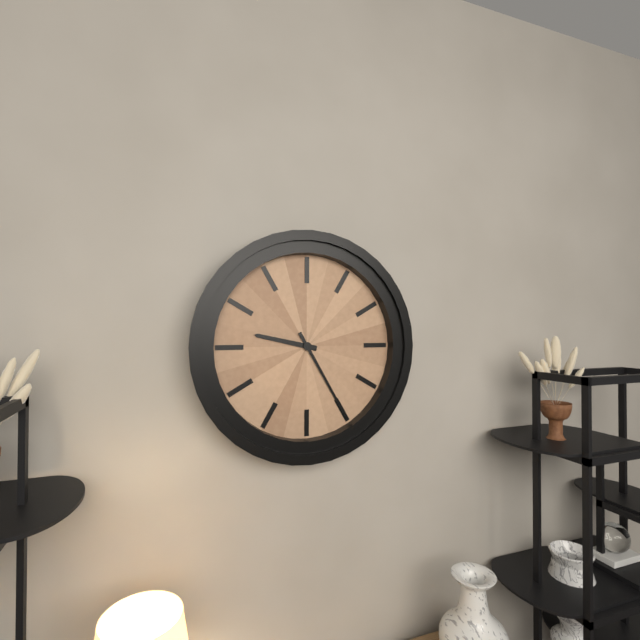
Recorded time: 9:25
